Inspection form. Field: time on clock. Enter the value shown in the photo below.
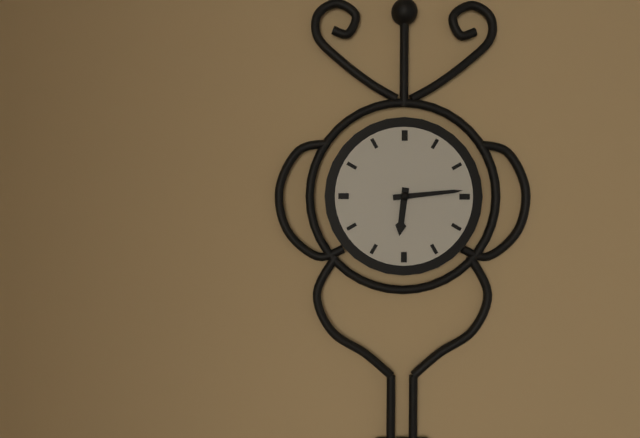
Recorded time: 6:14
